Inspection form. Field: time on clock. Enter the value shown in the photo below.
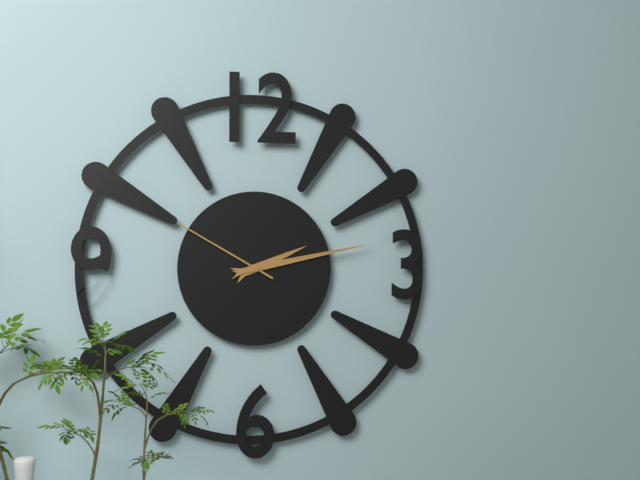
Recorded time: 2:13:50
